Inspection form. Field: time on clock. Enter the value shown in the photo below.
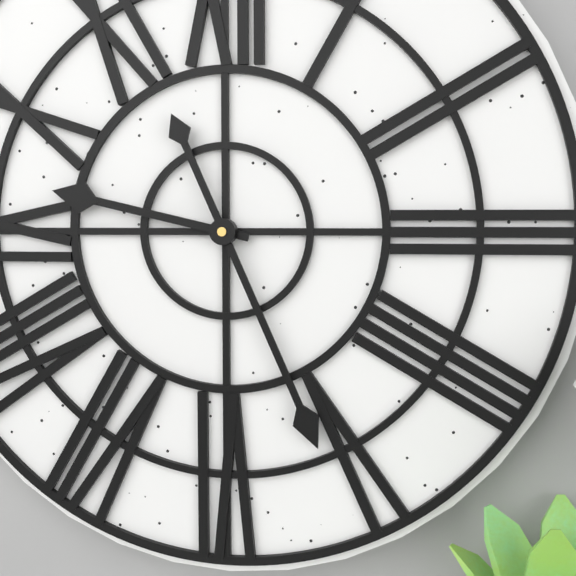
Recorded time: 9:26
